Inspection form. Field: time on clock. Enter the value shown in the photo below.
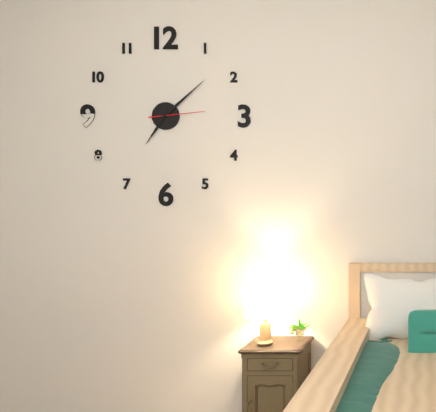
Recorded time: 7:08
